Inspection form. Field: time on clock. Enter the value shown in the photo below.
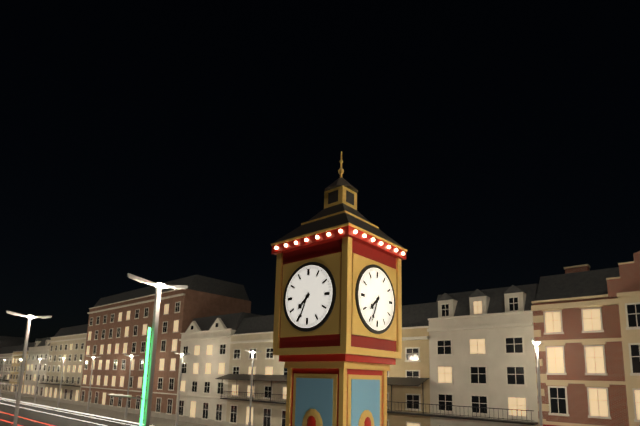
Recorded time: 7:34
